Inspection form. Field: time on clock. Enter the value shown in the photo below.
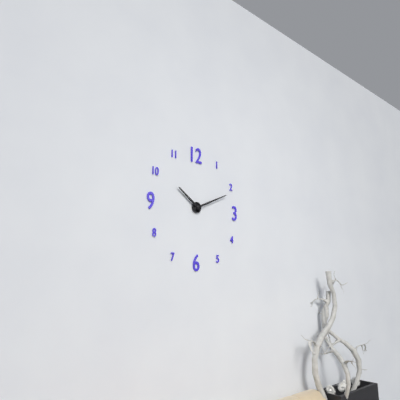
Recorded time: 10:11
